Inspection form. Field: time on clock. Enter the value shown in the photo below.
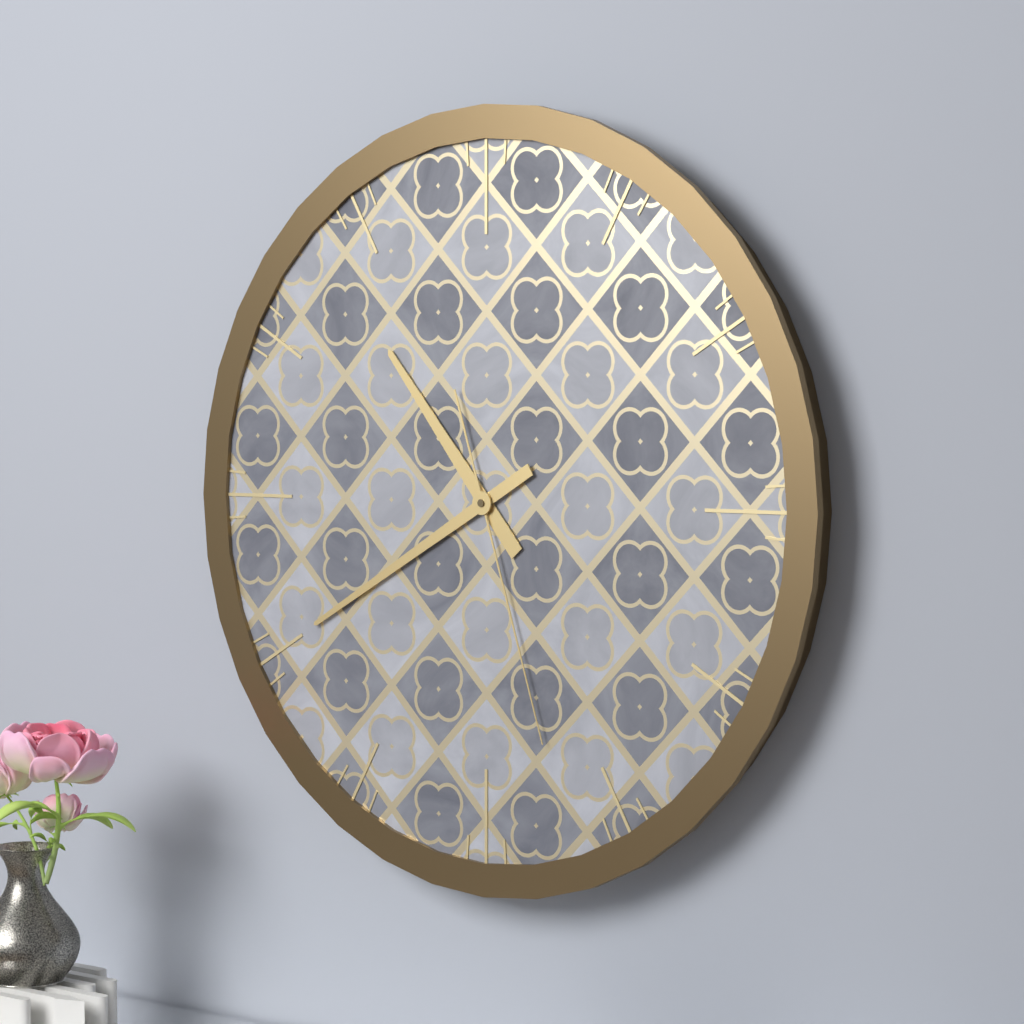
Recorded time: 10:40:27
